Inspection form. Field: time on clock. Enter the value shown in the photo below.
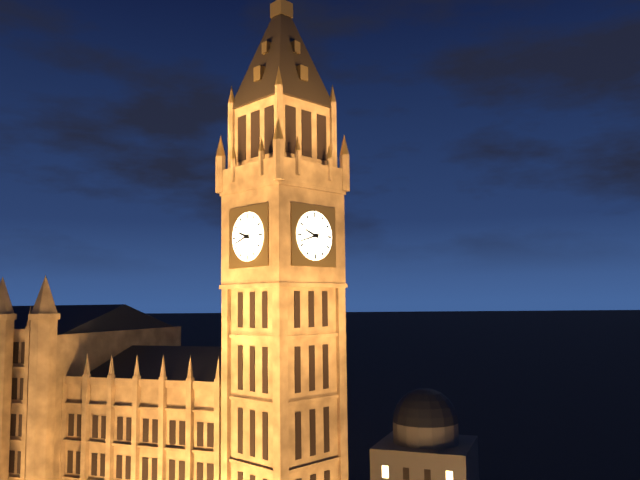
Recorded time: 9:42
